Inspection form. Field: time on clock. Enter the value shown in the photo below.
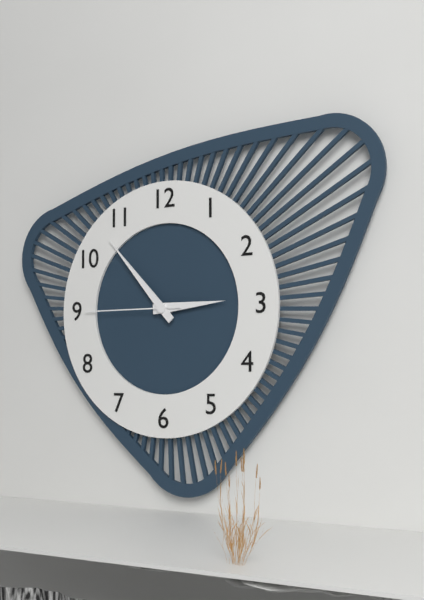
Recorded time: 2:53:45
